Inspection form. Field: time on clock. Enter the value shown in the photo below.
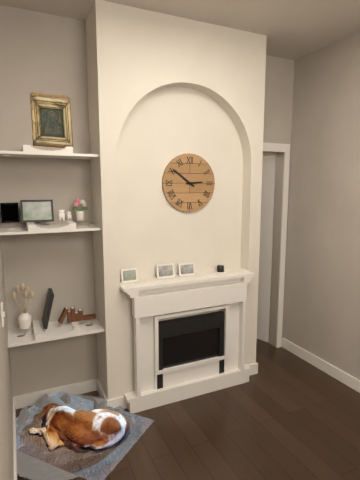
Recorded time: 2:51
